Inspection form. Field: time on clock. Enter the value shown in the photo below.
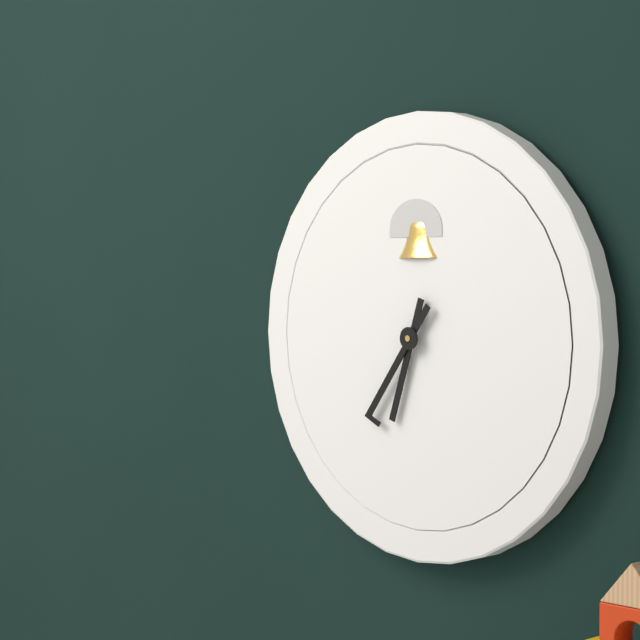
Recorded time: 6:36
